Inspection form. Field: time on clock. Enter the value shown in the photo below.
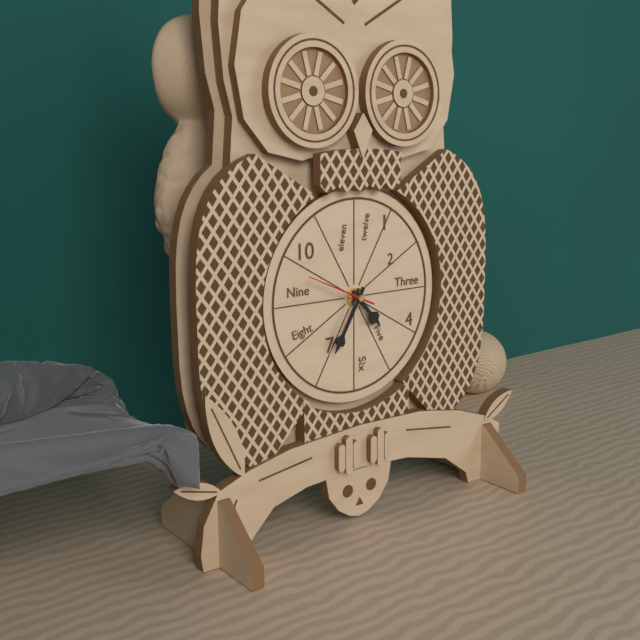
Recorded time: 4:35:49
